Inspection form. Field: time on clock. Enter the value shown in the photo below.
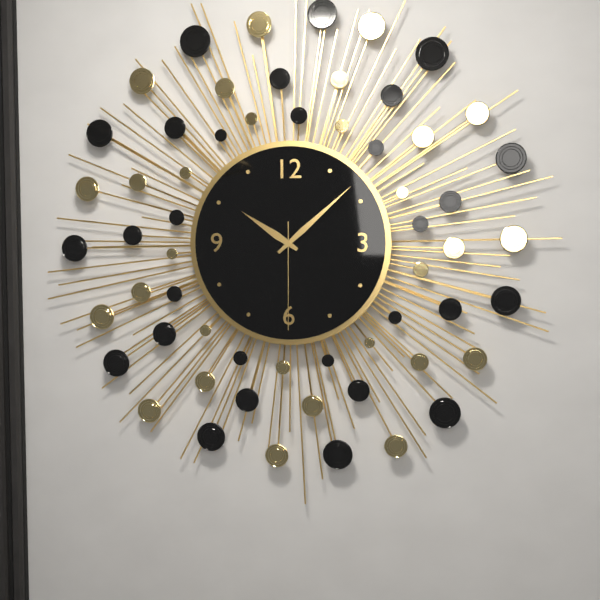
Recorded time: 10:08:30
